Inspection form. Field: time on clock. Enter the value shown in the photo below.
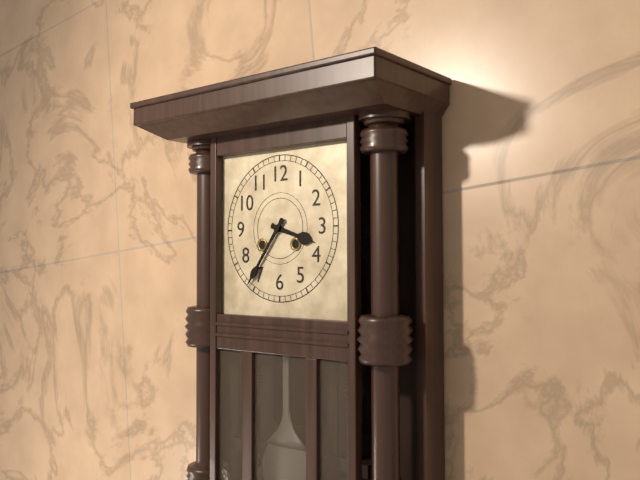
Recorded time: 3:36
